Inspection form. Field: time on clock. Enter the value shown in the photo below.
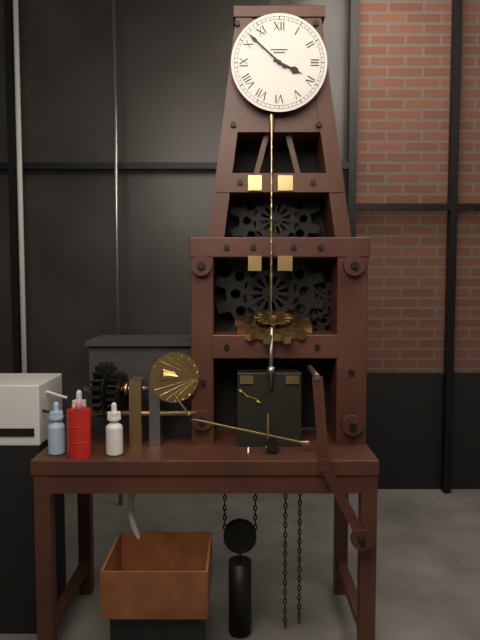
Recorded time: 3:52
